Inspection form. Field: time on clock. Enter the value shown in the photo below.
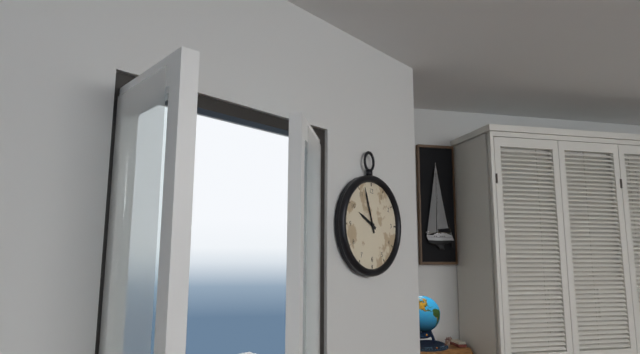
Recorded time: 9:57
